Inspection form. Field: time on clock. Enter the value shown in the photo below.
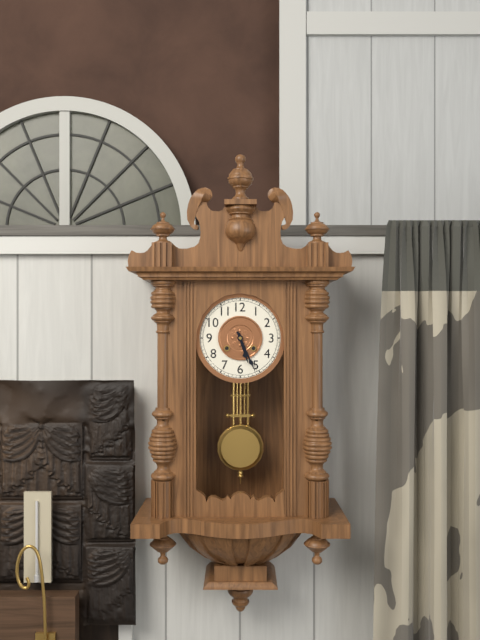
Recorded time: 5:26
